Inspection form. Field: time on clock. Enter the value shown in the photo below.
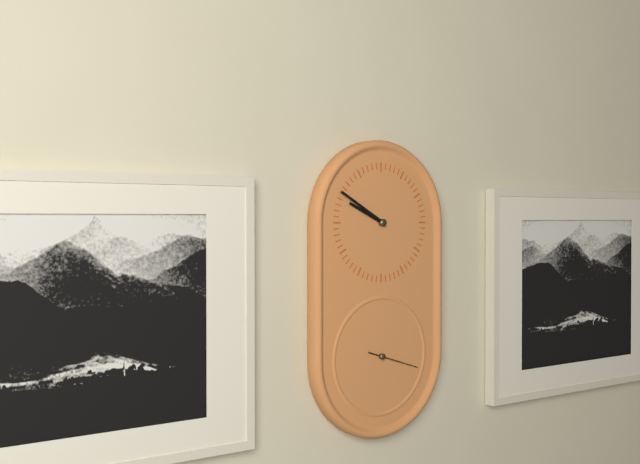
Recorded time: 9:50
